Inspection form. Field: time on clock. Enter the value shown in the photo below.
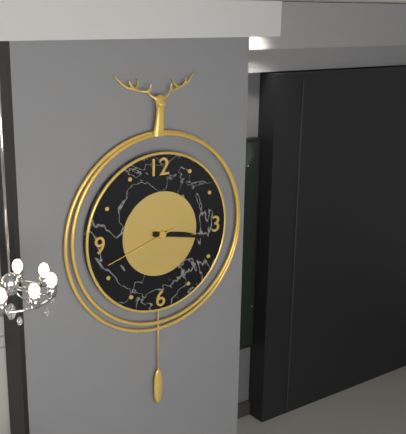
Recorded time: 3:17:42
